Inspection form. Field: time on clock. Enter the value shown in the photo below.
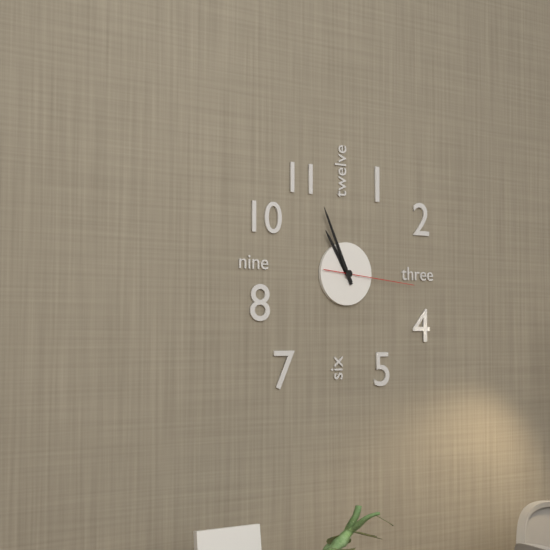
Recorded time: 10:56:16
